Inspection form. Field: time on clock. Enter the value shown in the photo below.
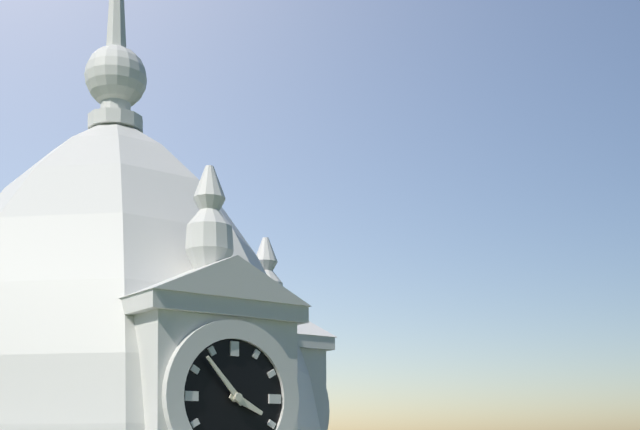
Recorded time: 3:53
